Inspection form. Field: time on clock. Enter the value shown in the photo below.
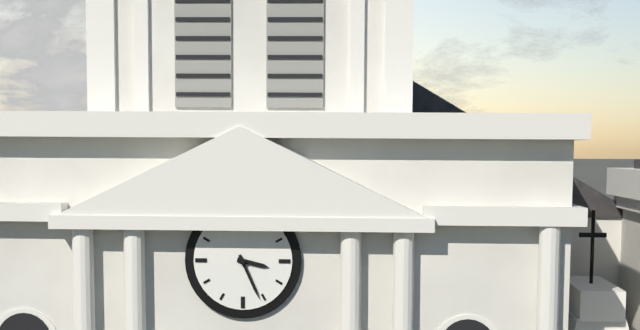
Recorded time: 3:26
